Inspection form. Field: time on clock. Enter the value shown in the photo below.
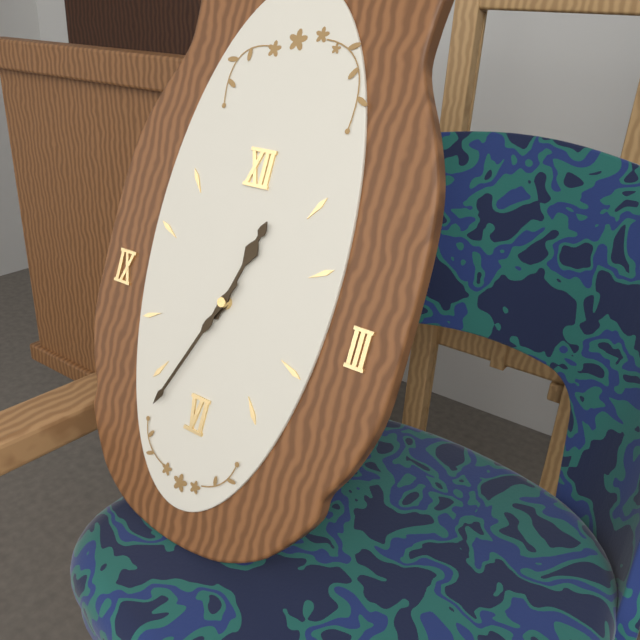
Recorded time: 12:34
